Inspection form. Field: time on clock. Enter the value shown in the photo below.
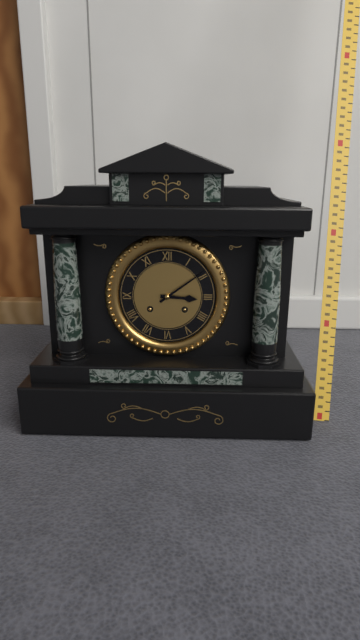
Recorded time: 3:09
